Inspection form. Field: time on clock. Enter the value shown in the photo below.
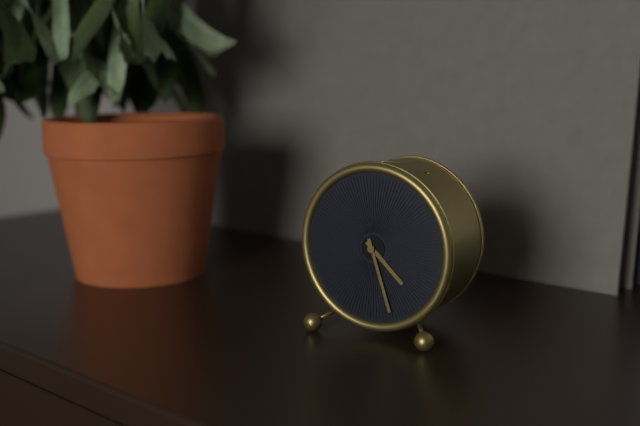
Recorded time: 4:27
